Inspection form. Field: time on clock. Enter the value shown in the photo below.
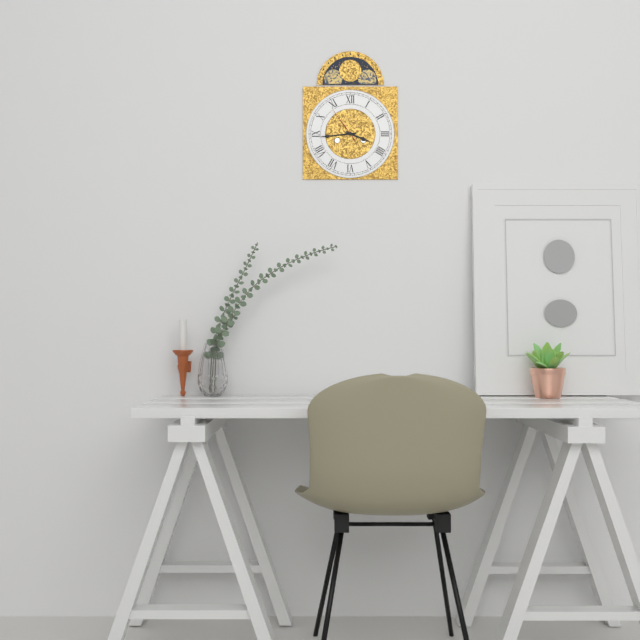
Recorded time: 3:44
